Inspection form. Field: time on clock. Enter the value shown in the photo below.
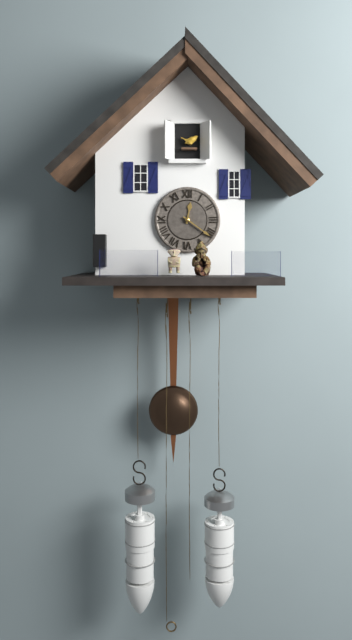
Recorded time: 12:21
